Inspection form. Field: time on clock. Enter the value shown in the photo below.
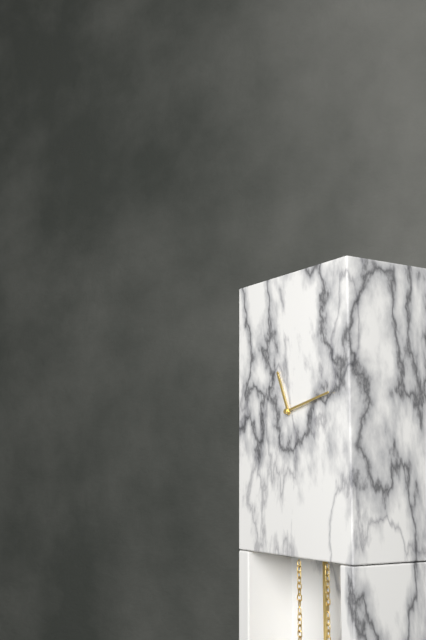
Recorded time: 11:13
